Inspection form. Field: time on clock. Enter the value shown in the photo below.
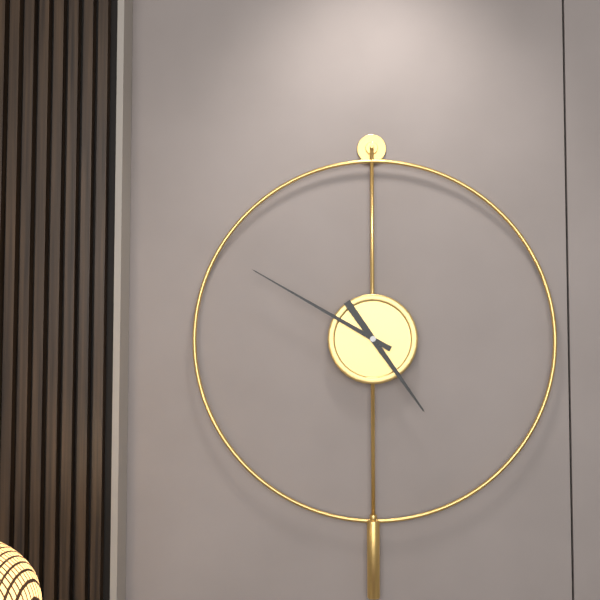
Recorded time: 4:50
